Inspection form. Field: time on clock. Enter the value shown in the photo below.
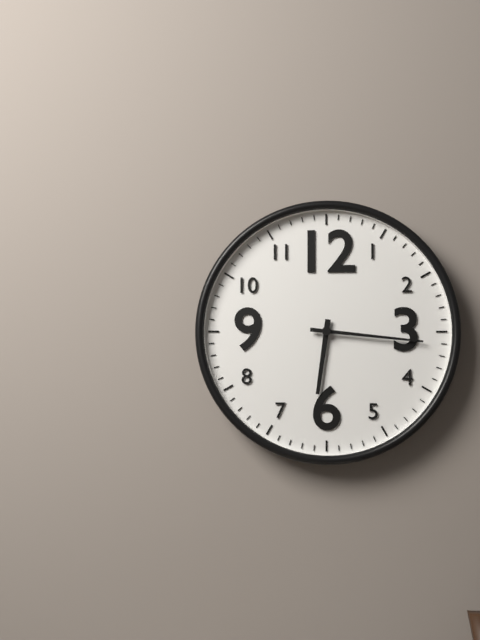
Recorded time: 6:16
